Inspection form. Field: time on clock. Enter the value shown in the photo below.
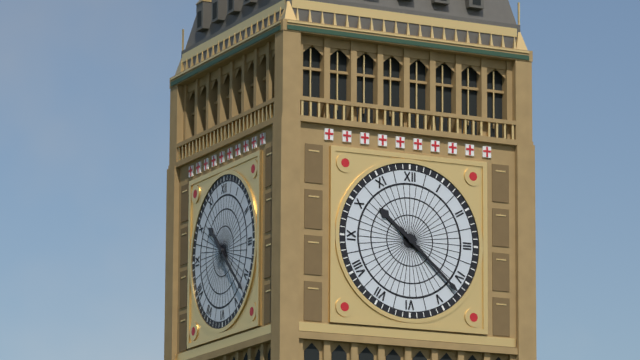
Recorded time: 10:22
